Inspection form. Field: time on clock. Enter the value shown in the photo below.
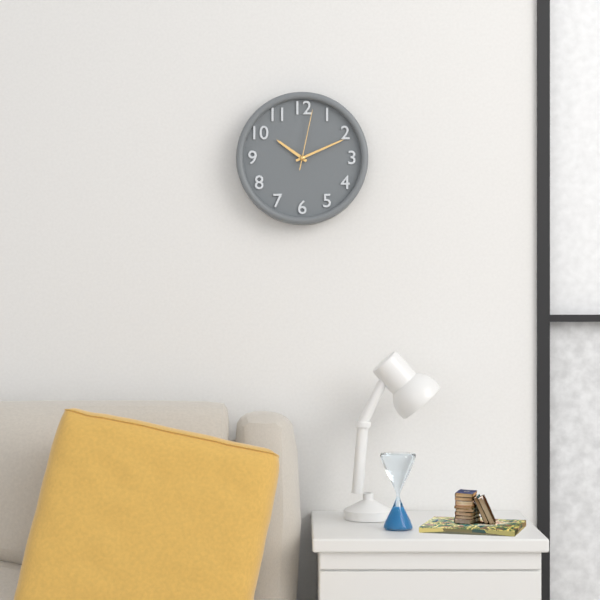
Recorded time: 10:11:02
